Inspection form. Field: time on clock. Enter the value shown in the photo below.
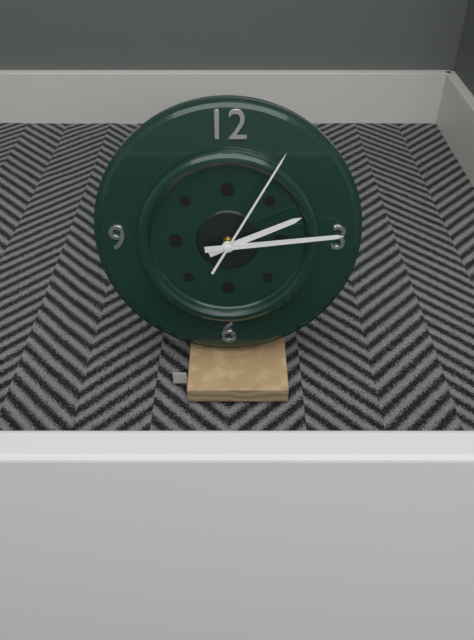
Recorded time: 2:14:05
